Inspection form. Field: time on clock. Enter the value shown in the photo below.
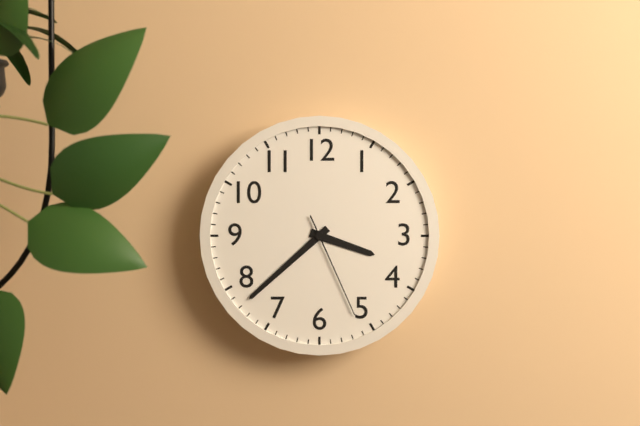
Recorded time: 3:38:26
